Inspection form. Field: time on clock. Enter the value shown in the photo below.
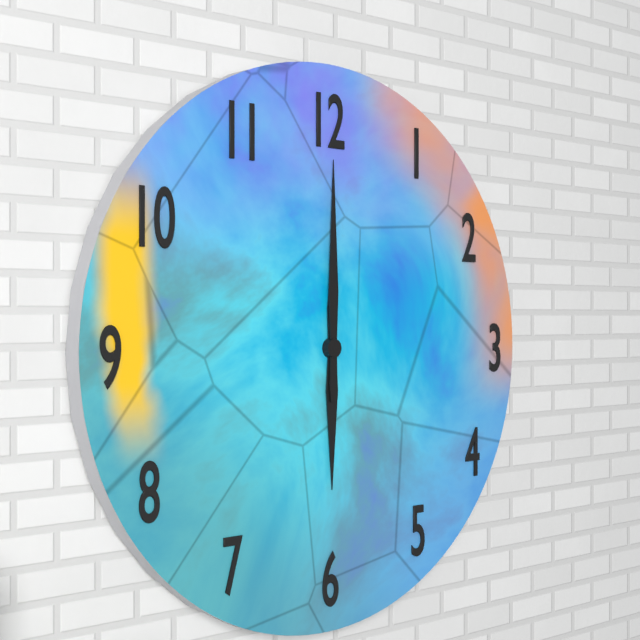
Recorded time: 6:00
